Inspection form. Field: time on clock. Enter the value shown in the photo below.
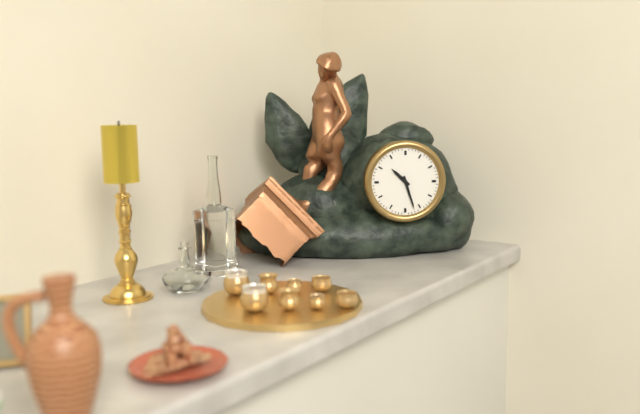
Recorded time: 10:27
